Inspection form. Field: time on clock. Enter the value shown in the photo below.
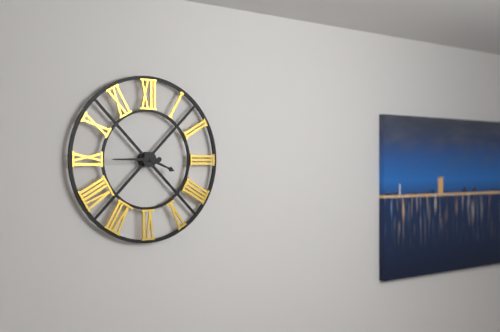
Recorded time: 3:45
